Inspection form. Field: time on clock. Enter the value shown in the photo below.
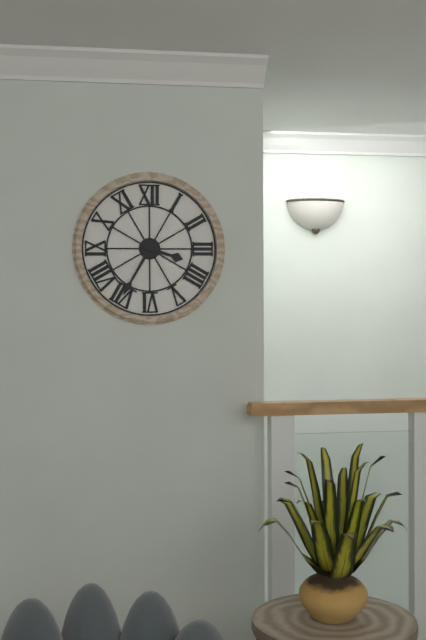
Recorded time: 3:35
